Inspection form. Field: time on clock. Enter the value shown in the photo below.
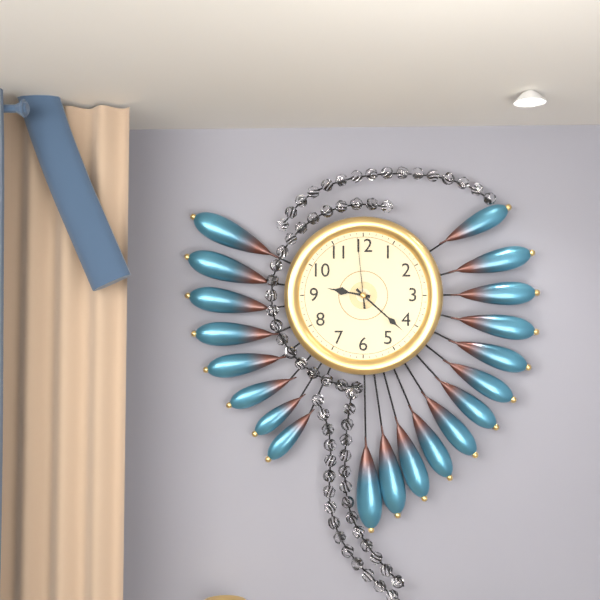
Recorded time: 9:22:59
